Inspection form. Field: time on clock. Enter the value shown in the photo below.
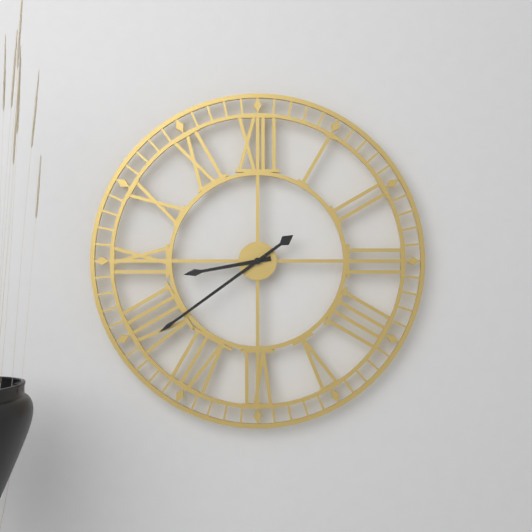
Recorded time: 8:39
